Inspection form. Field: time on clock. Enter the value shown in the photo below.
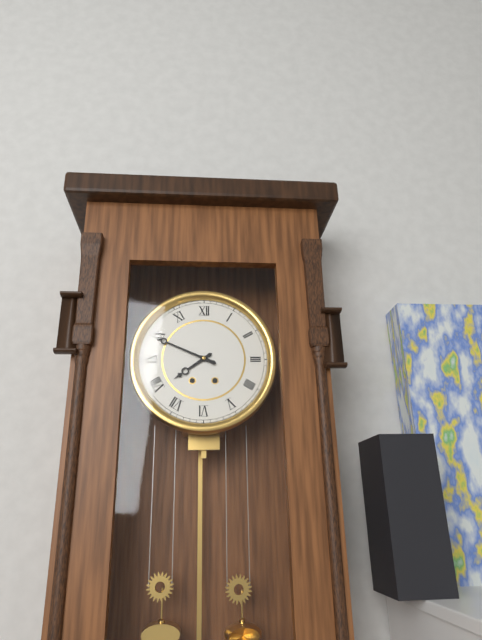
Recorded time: 7:49
